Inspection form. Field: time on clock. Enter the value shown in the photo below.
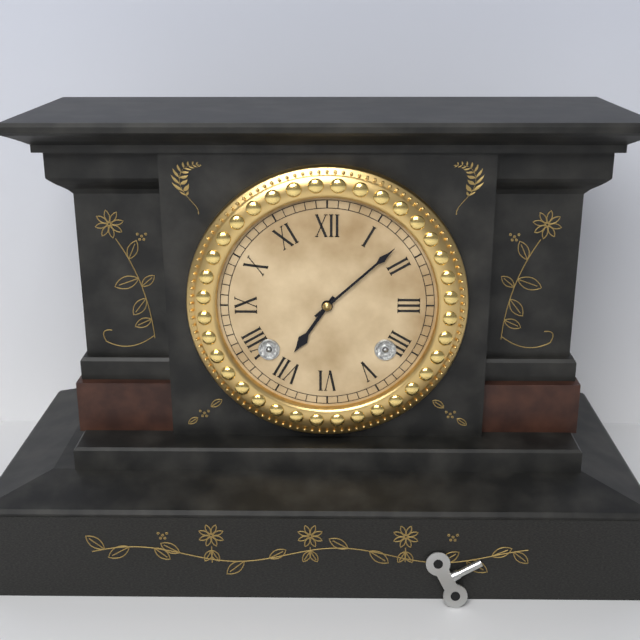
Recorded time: 7:08
